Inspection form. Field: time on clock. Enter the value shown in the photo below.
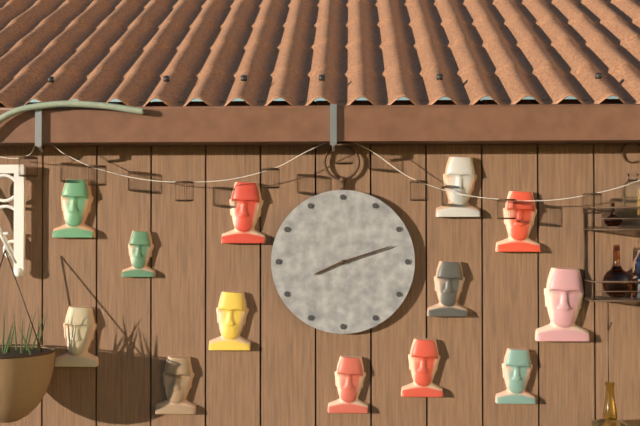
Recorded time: 8:12
